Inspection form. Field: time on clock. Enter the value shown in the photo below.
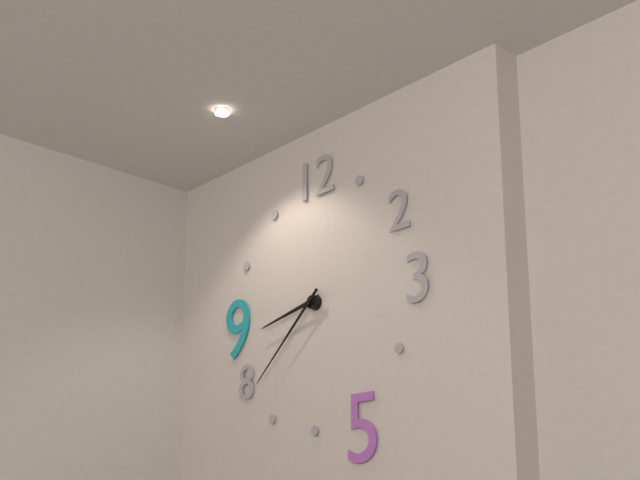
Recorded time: 8:38
